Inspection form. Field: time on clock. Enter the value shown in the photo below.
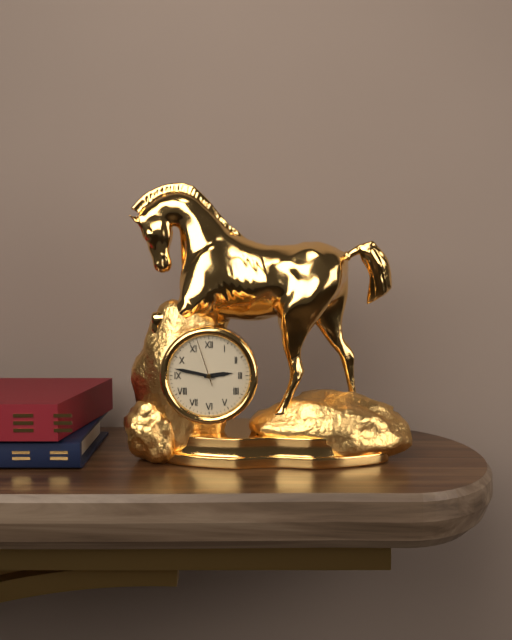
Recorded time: 2:47
